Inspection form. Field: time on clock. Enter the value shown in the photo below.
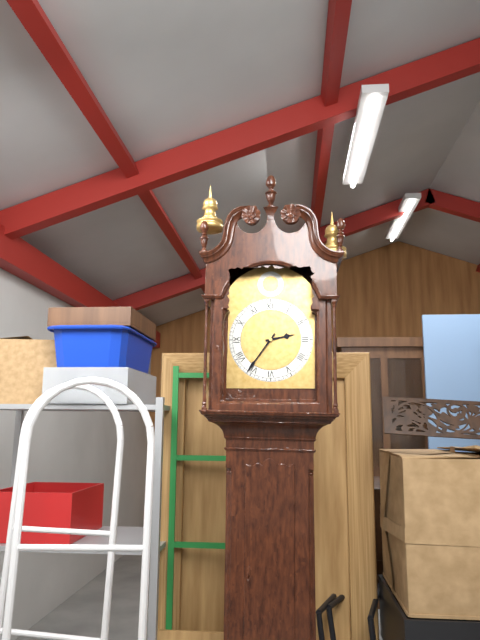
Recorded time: 2:36
